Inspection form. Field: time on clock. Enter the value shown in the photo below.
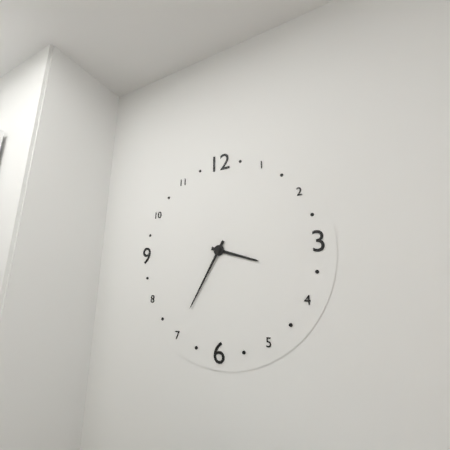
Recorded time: 3:35
